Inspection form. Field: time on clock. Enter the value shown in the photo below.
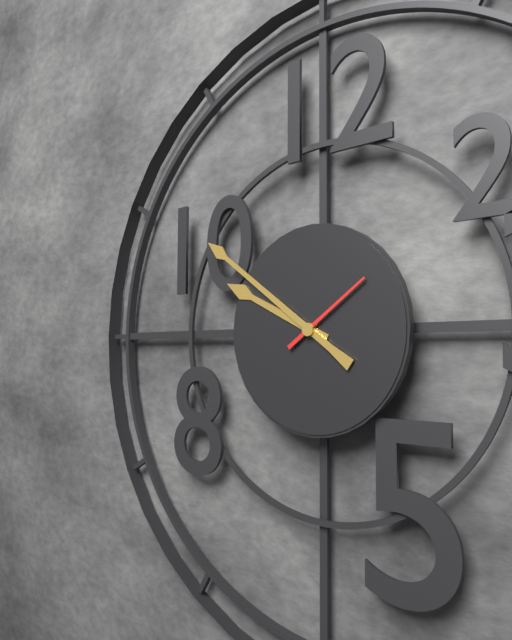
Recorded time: 9:51:09
